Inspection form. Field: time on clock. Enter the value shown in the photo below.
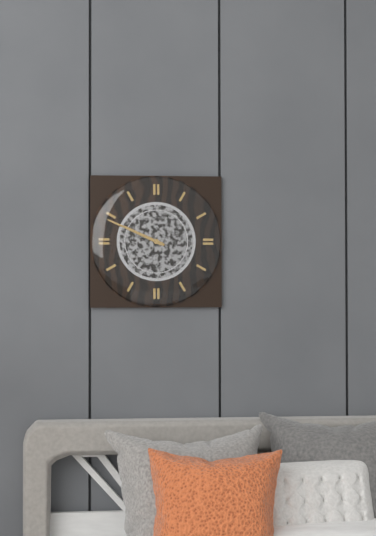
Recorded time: 9:49
